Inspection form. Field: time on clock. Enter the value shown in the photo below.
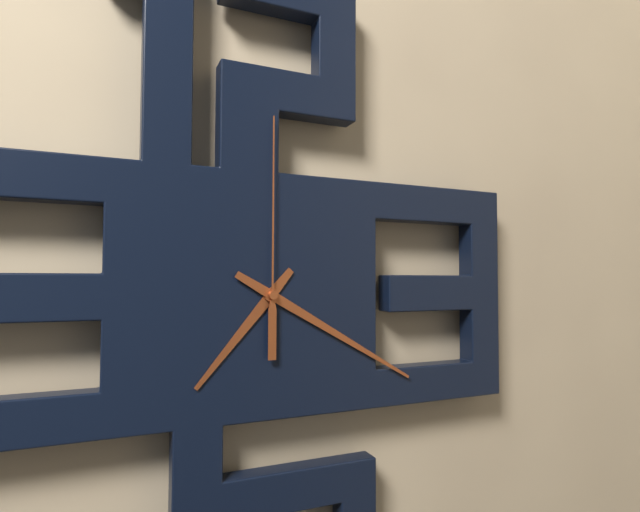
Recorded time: 7:20:00
